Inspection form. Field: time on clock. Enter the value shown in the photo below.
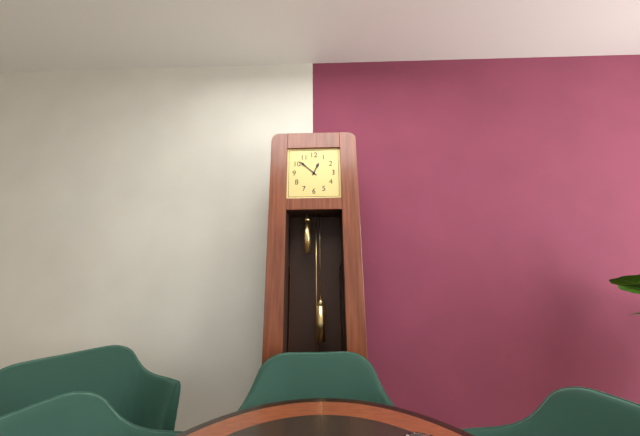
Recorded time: 12:52
